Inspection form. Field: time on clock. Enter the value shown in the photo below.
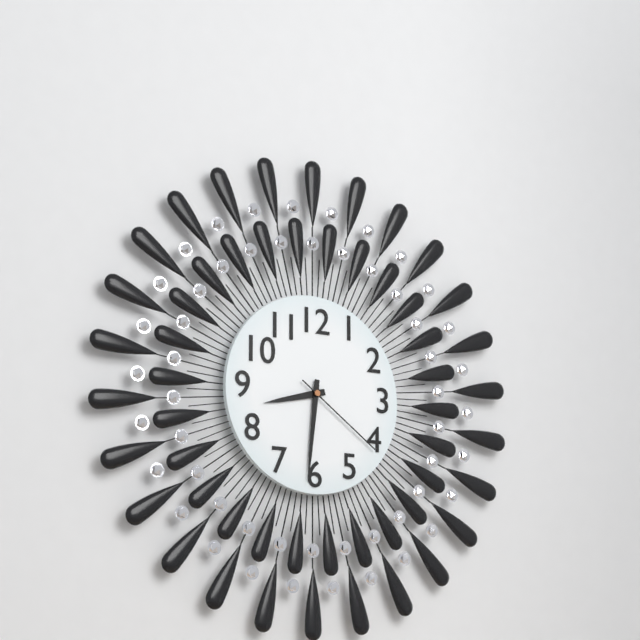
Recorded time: 8:31:21
